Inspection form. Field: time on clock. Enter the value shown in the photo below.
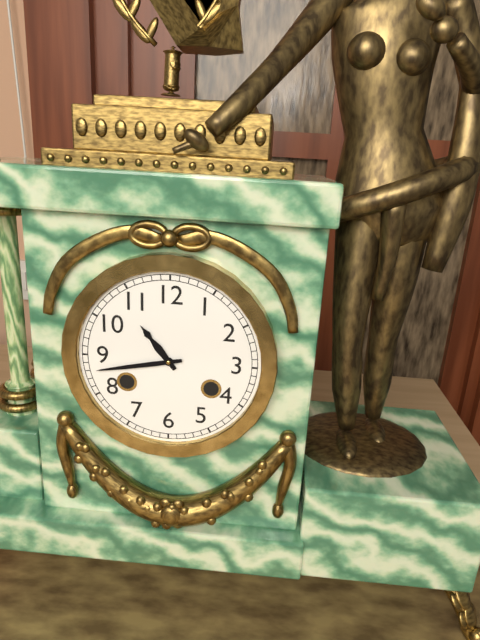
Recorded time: 10:43
